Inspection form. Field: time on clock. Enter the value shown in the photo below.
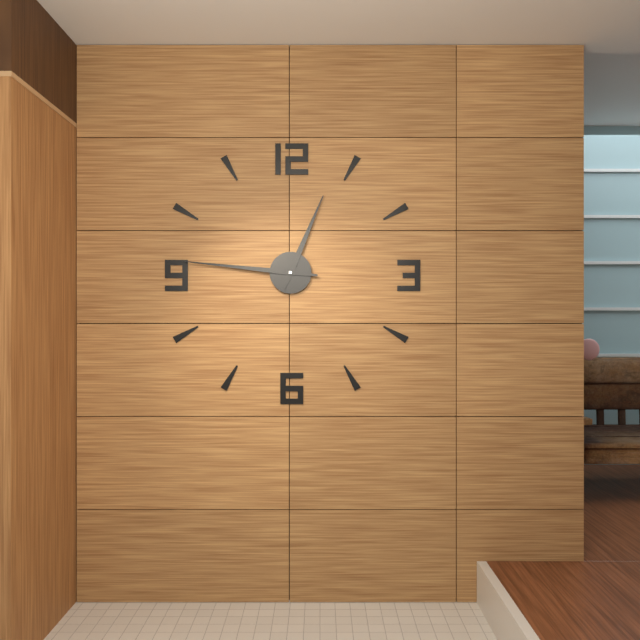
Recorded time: 12:46
